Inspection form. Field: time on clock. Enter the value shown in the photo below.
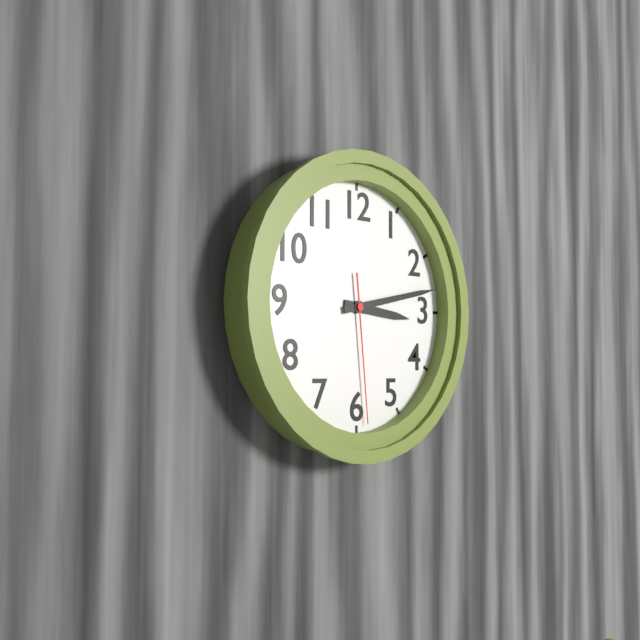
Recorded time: 3:13:29
